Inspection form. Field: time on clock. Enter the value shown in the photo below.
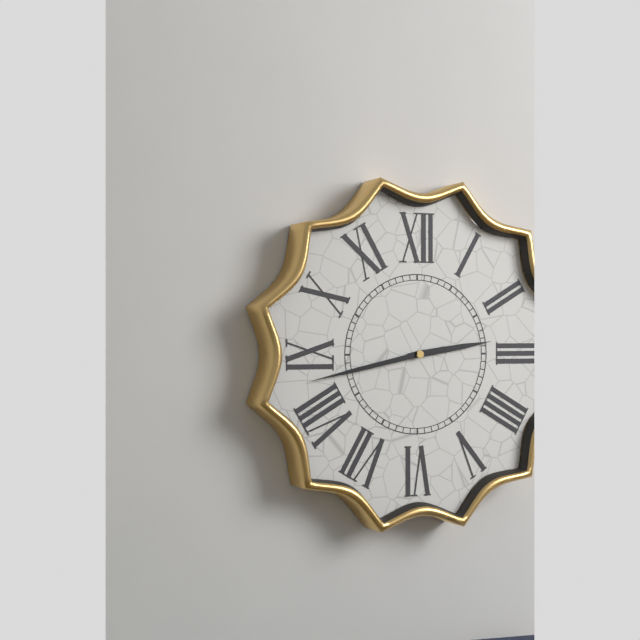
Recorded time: 2:43
